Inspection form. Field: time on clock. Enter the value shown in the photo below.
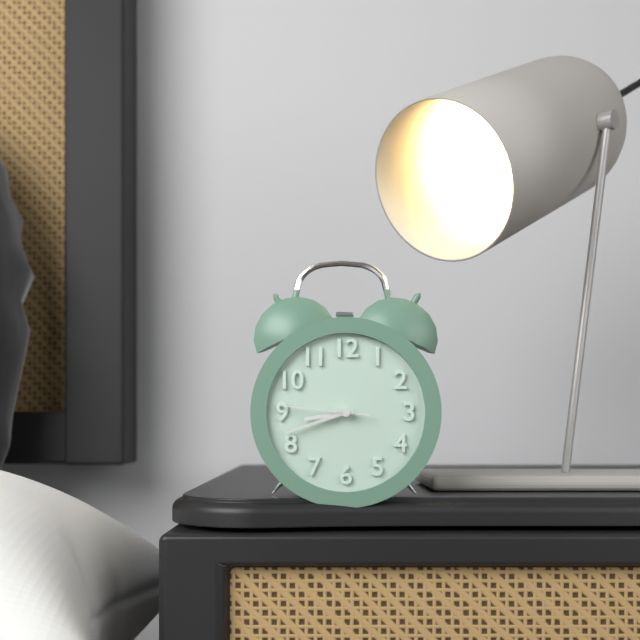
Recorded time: 8:42:46
